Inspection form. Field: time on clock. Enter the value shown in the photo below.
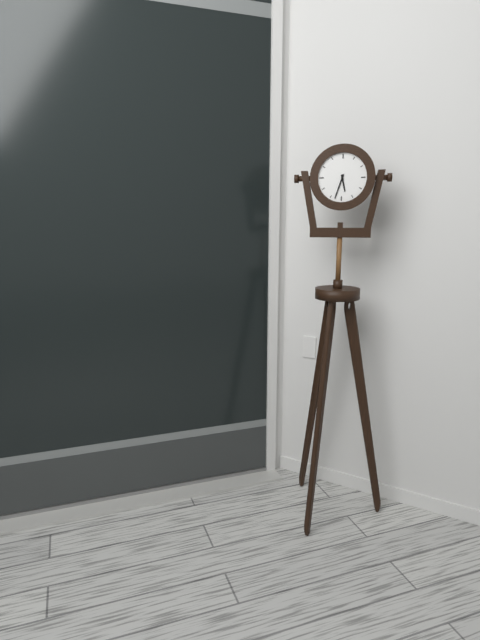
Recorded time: 5:33
